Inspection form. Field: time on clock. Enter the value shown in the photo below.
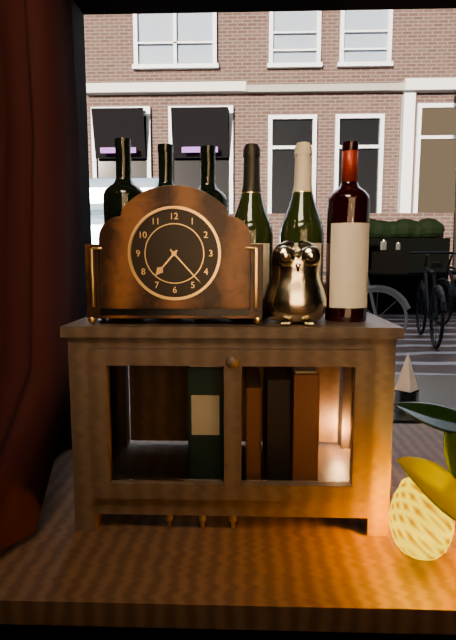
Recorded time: 7:23
